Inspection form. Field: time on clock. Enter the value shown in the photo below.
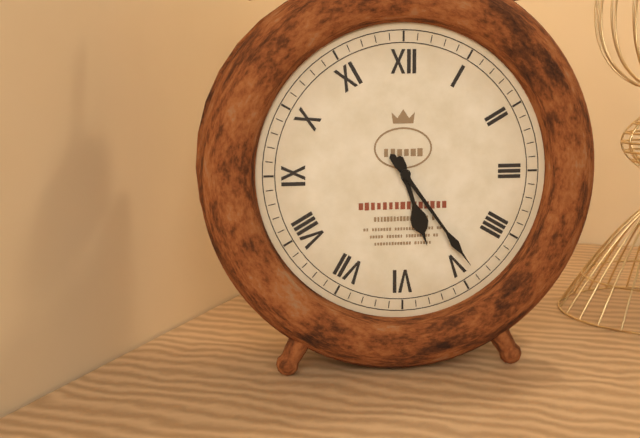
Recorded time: 5:24
